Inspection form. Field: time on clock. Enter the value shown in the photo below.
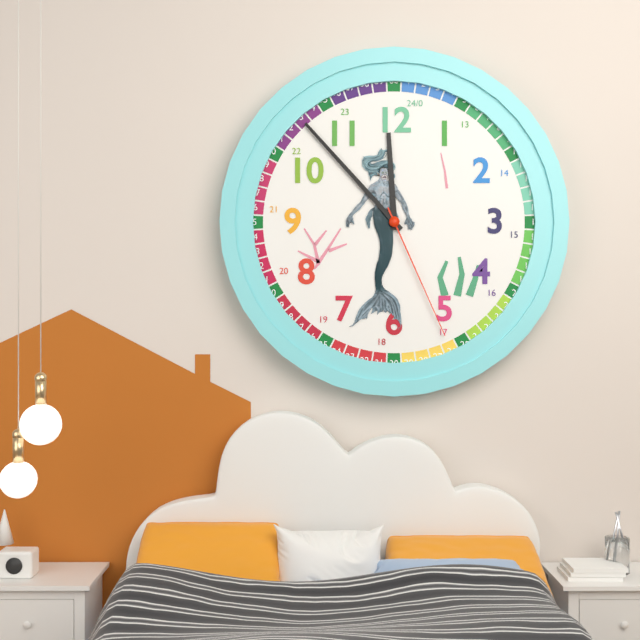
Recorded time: 11:53:26
